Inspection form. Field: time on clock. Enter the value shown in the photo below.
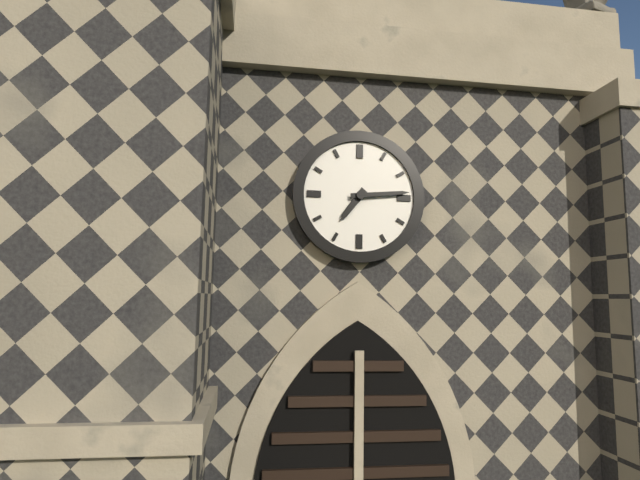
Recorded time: 7:14
